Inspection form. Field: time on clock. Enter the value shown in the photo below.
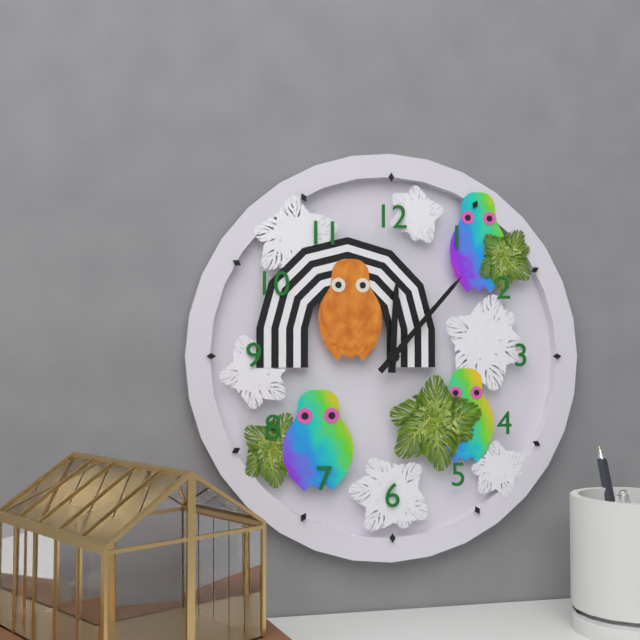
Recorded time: 12:07
